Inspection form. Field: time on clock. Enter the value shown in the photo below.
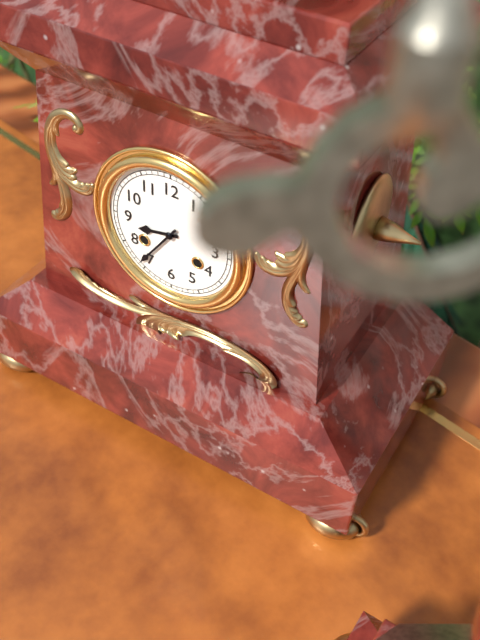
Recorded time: 8:36
